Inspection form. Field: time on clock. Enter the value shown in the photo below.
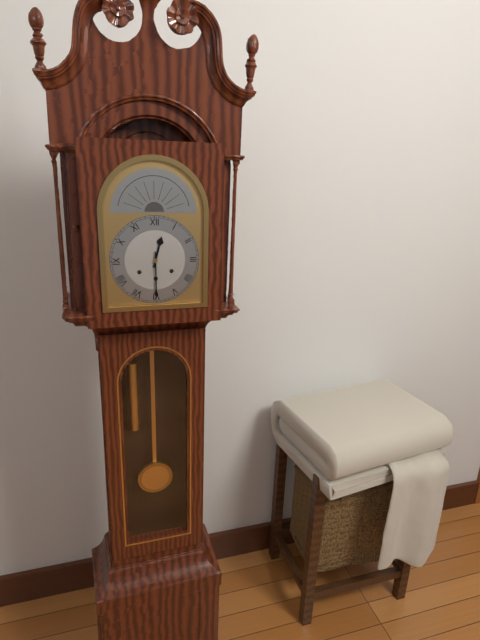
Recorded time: 12:30
